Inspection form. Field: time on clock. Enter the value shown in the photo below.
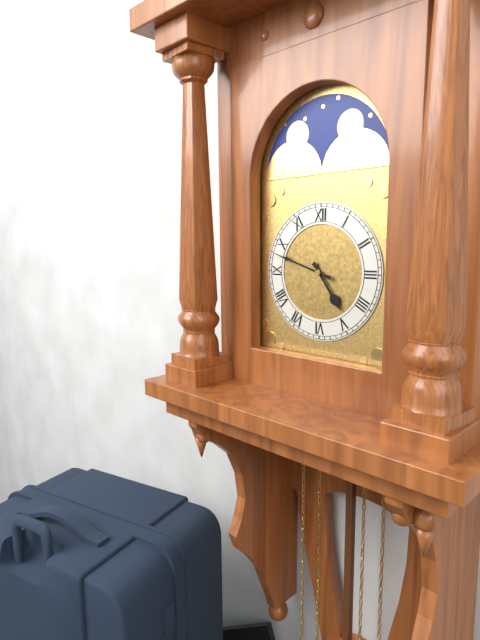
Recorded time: 4:48
